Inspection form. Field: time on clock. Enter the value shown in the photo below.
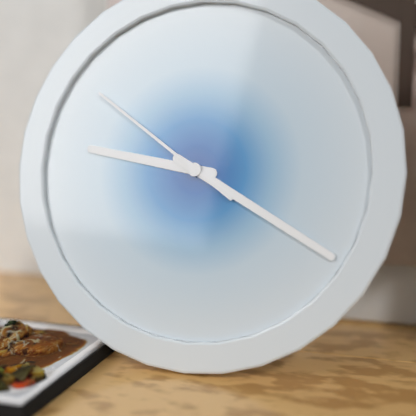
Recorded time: 9:20:51
